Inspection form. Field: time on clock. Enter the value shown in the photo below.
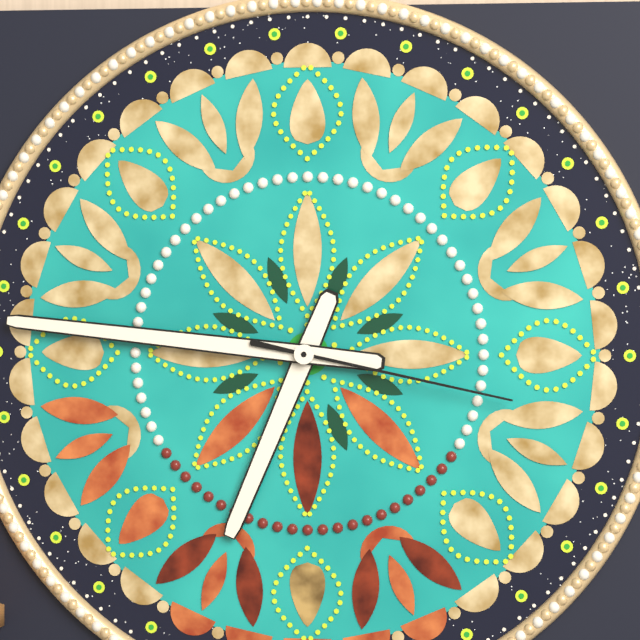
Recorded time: 6:46:17
